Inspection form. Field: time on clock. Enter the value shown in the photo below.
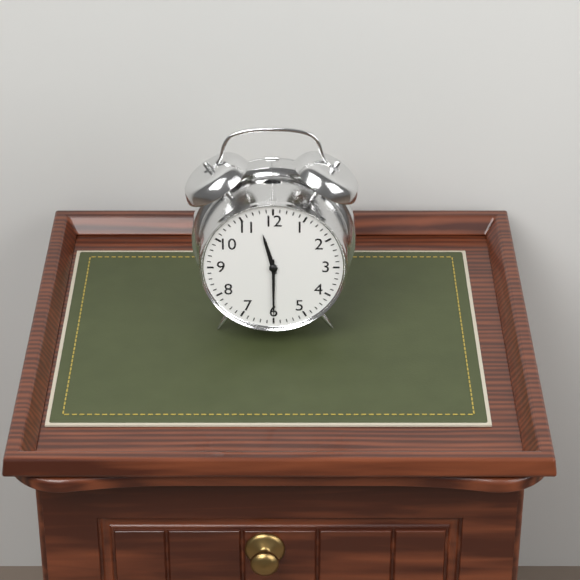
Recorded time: 11:30
